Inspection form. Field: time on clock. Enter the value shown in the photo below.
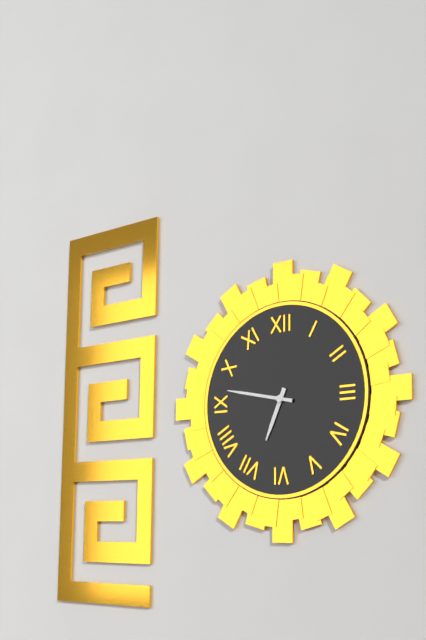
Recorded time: 6:47
